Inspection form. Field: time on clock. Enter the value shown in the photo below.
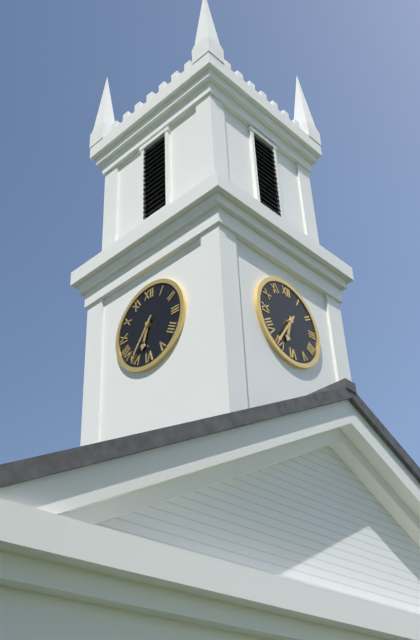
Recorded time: 6:36
